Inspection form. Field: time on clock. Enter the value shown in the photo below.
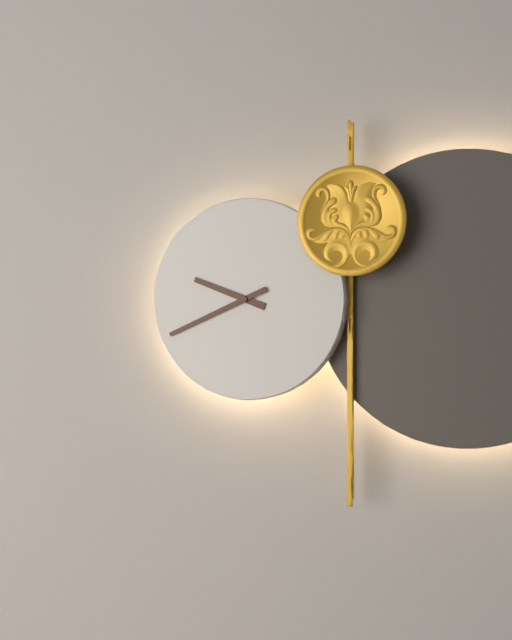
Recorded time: 9:41
